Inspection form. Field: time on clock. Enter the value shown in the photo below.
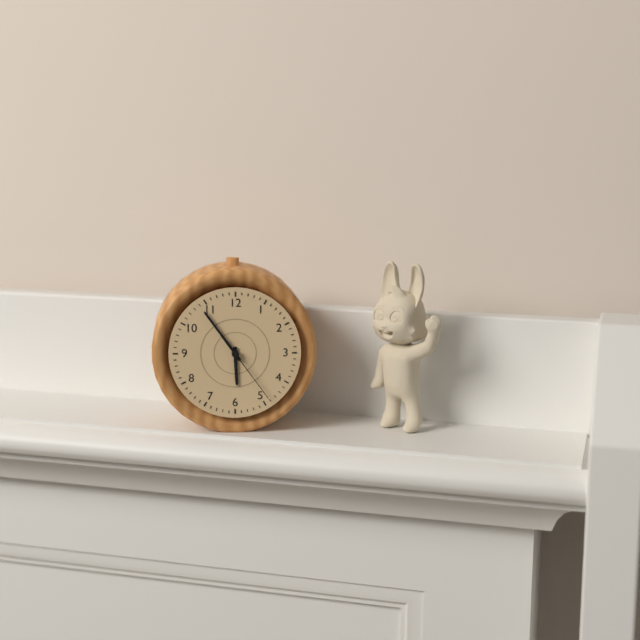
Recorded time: 5:54:24
